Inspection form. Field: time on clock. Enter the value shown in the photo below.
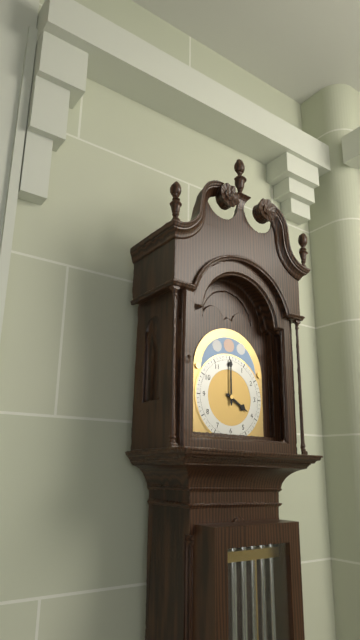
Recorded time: 4:00
